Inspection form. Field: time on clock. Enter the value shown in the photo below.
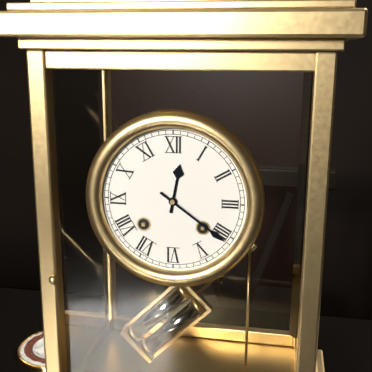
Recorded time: 12:21
